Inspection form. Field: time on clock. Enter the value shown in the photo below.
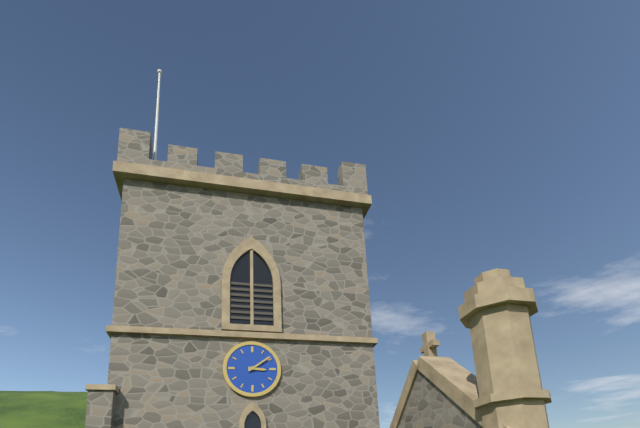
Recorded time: 3:09
